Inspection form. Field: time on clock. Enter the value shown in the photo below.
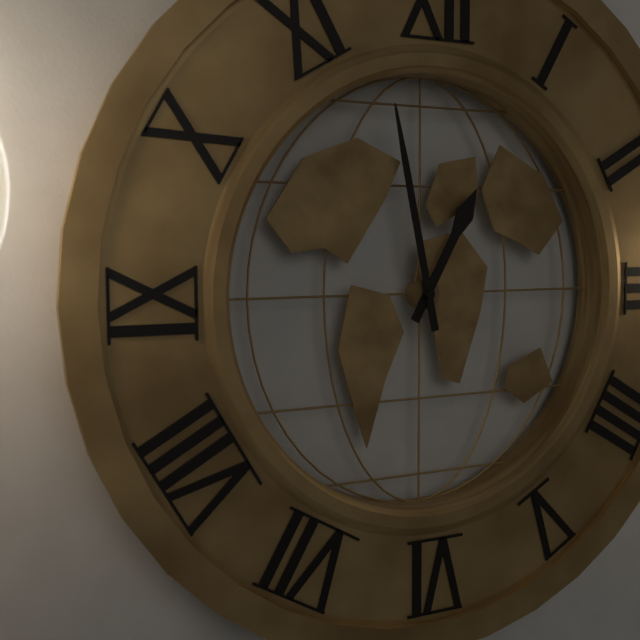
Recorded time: 12:58
